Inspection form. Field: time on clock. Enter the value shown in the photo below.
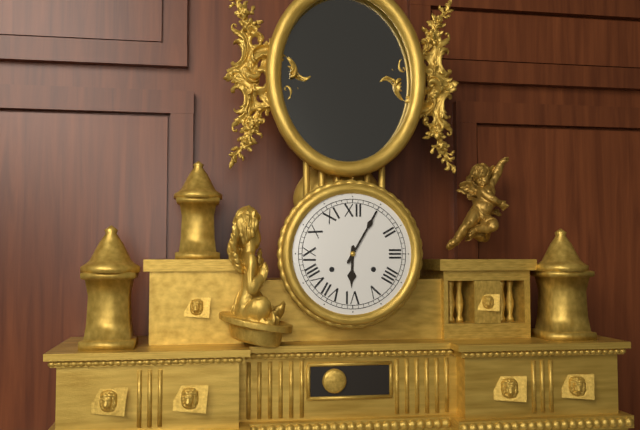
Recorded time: 6:05
